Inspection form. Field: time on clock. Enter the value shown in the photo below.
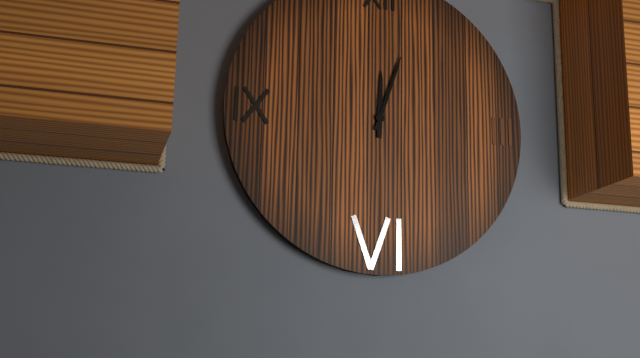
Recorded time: 12:03
